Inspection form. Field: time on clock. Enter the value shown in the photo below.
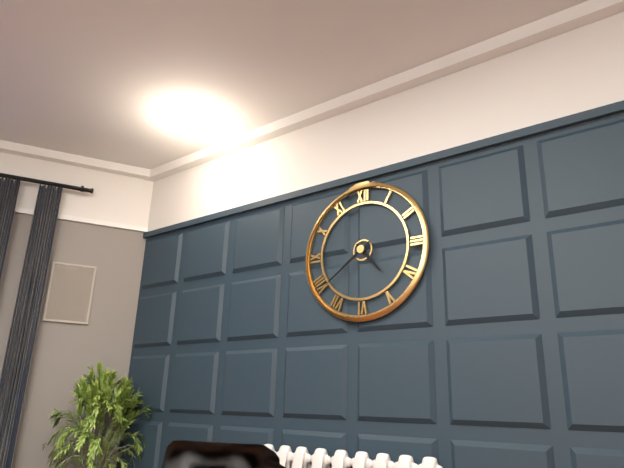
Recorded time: 4:39
